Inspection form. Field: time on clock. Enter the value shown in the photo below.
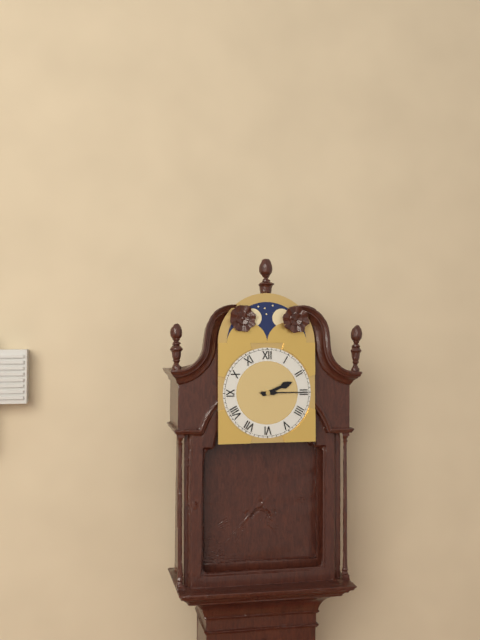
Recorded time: 2:15
